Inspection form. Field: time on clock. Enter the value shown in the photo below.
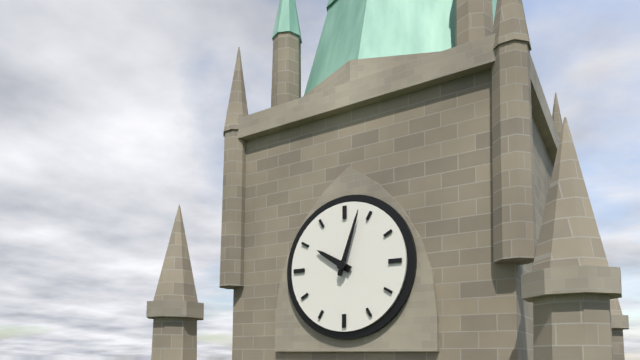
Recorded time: 10:03
